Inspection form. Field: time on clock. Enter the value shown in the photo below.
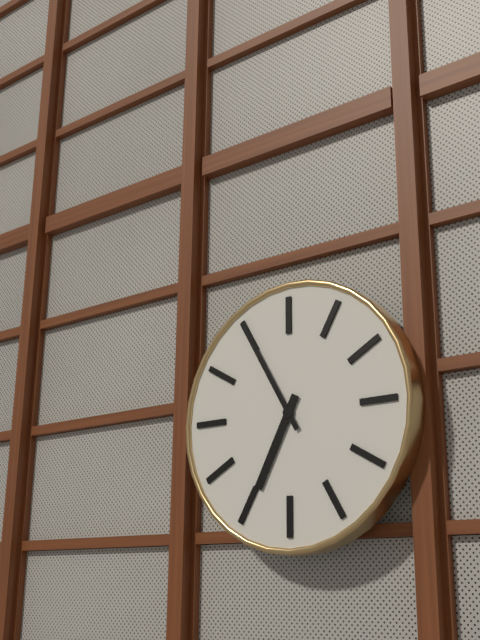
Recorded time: 6:55
